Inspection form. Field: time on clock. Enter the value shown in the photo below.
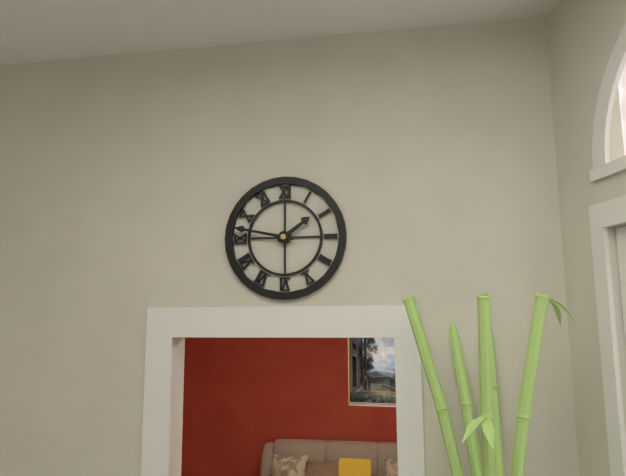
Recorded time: 1:47
